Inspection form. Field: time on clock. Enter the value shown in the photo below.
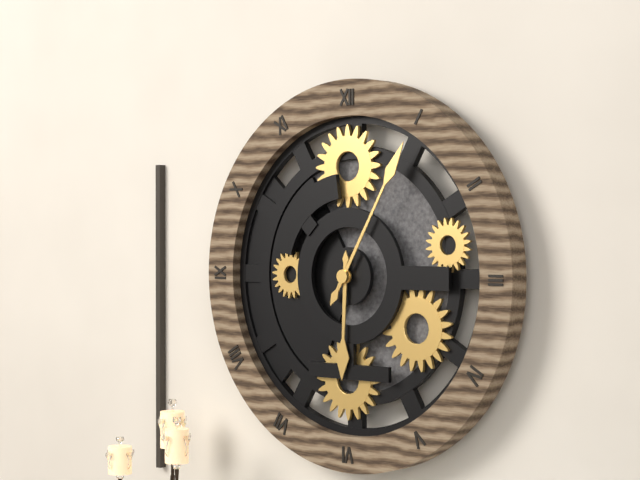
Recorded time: 6:05
